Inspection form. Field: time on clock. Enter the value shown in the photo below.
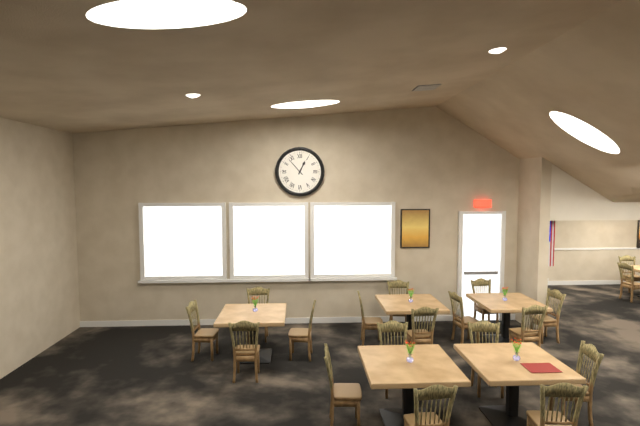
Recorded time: 12:53
